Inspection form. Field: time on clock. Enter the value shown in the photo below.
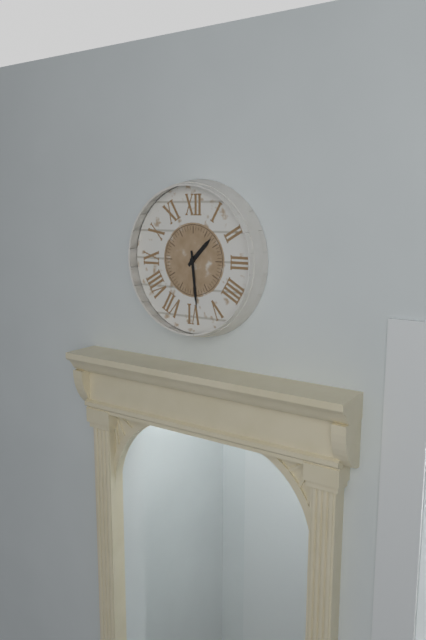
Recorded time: 1:29
